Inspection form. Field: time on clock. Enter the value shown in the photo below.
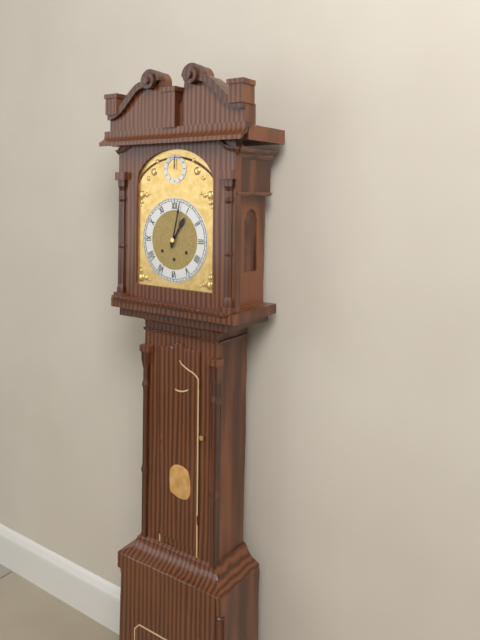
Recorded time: 1:02
